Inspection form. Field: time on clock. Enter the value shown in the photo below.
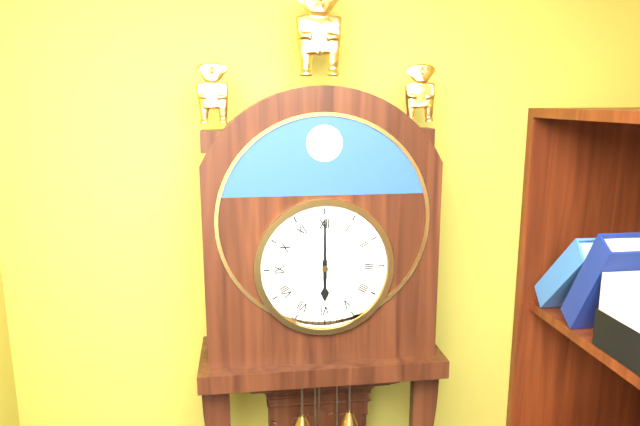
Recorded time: 6:00
